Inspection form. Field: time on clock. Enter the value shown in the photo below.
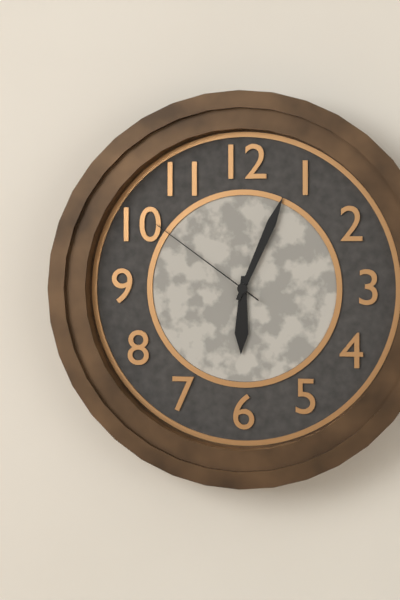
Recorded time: 6:04:51
